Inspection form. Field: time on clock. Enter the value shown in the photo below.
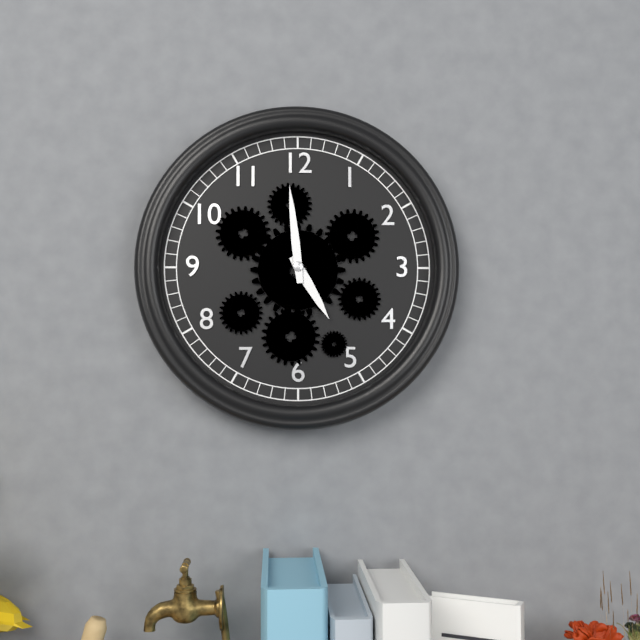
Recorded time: 4:59
